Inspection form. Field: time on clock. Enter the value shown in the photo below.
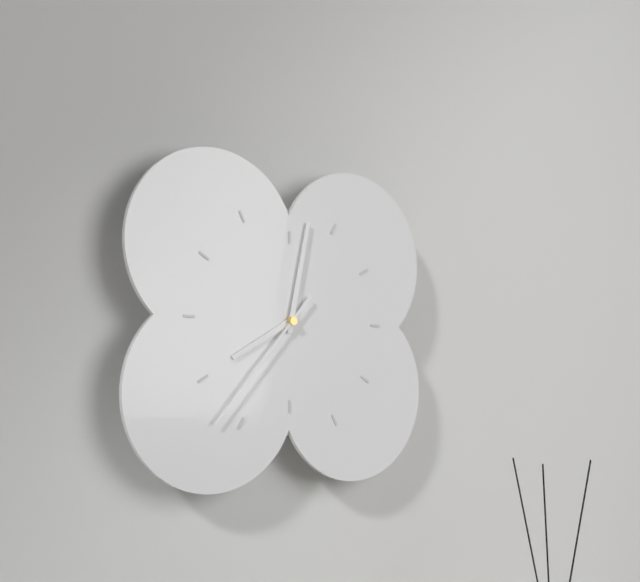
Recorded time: 8:02:37
